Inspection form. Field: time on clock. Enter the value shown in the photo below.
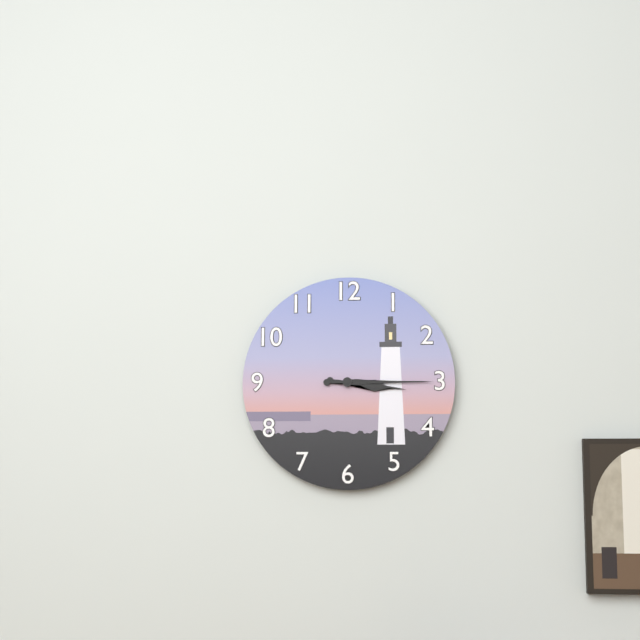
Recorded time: 3:15
